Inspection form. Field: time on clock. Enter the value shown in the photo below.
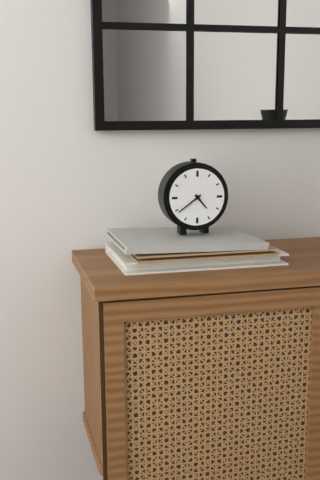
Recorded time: 4:39
